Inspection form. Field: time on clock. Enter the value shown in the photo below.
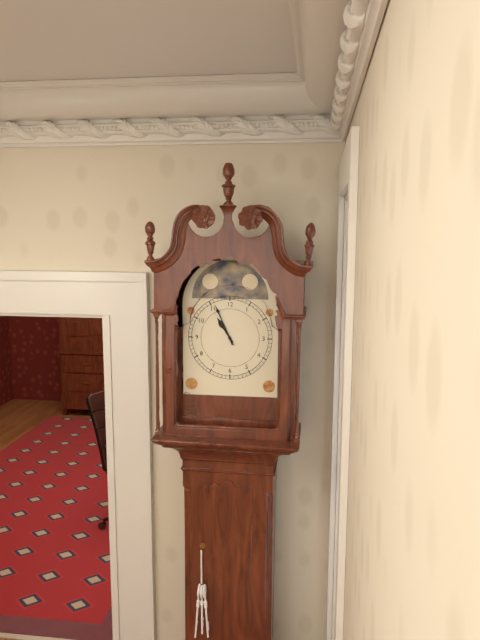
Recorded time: 10:56
